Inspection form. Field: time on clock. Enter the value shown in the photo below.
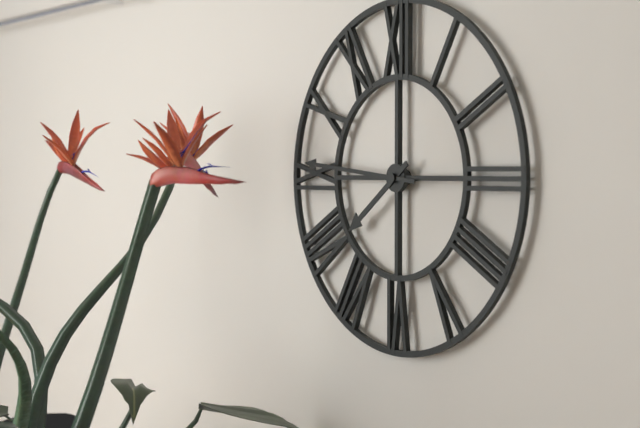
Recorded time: 7:46
